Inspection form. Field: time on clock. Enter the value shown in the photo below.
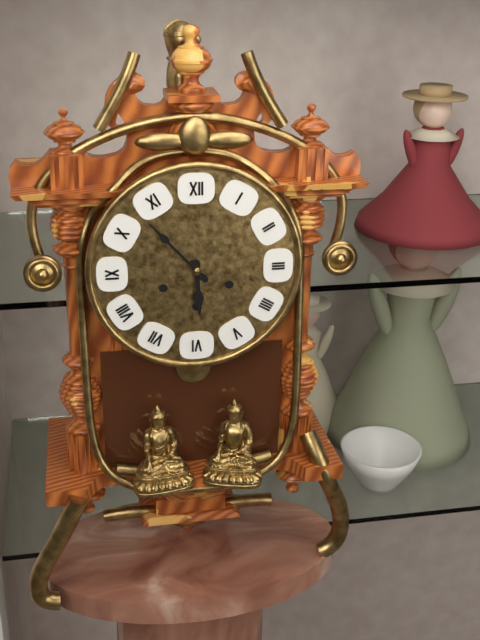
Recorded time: 5:53
